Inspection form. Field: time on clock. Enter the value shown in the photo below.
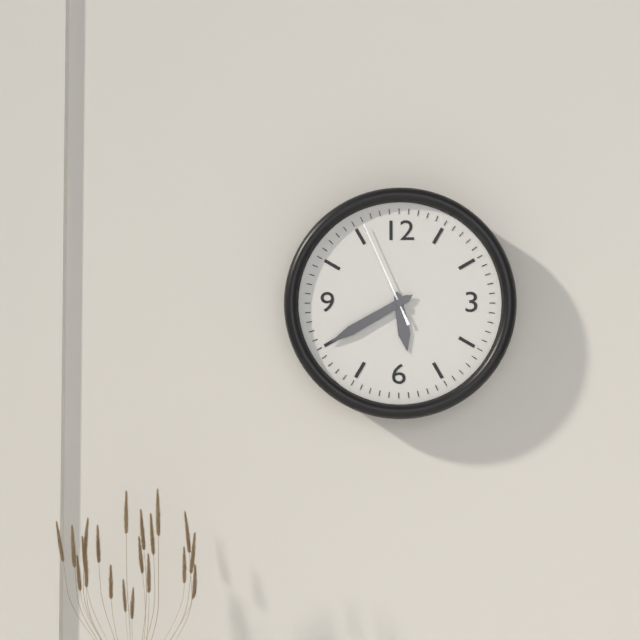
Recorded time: 5:40:56
